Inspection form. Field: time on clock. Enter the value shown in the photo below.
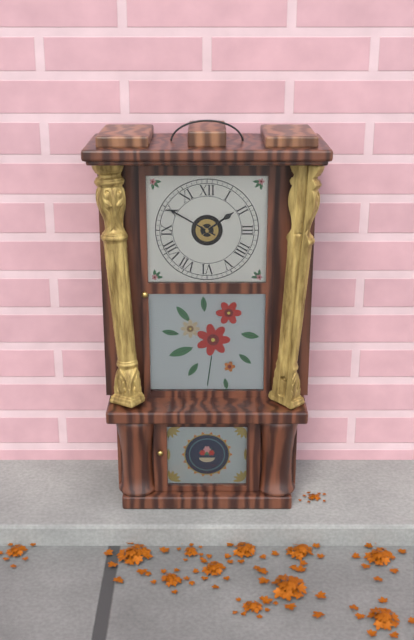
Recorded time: 1:50
